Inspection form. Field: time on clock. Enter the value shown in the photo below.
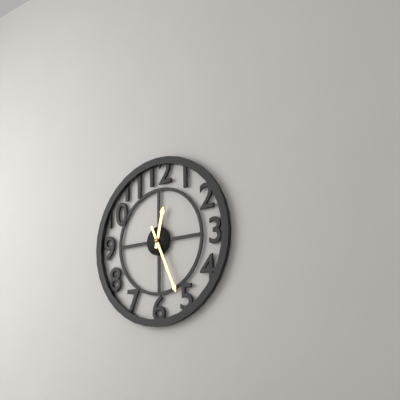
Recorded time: 12:26
